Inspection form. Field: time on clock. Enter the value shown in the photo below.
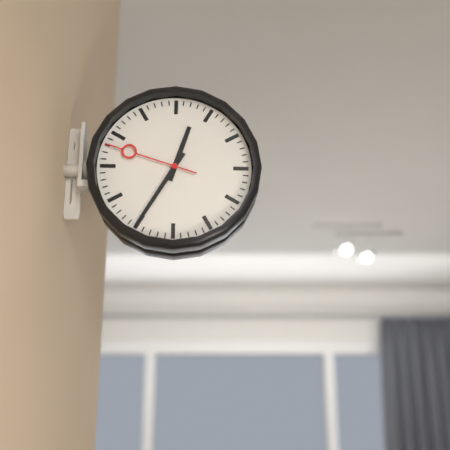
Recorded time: 12:35:48
